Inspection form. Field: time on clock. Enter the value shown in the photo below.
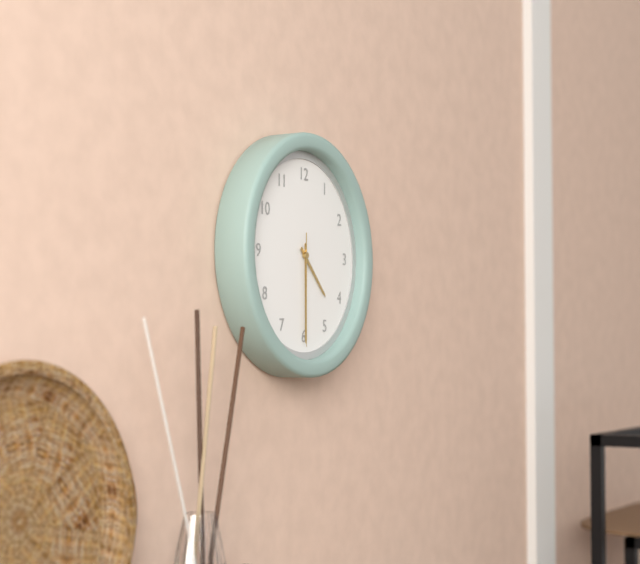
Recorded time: 4:30:30
